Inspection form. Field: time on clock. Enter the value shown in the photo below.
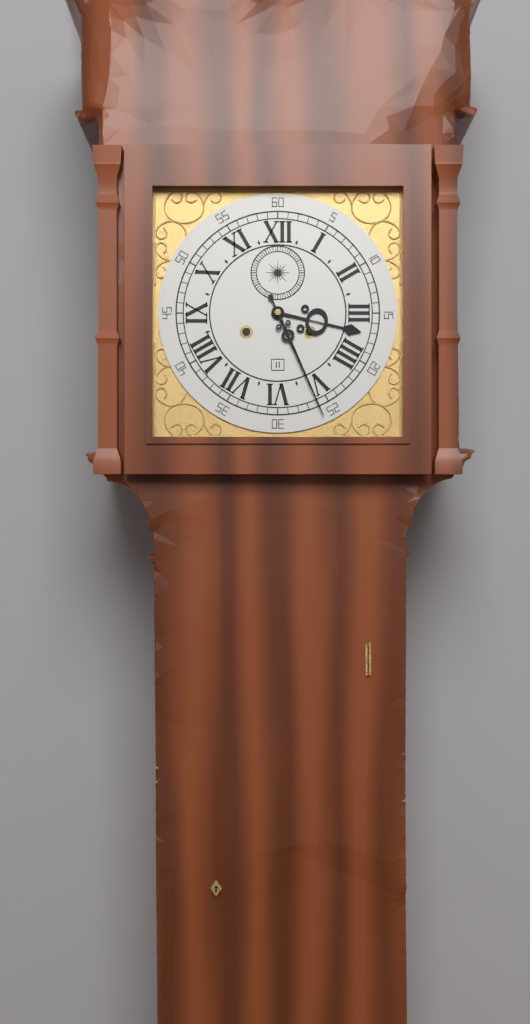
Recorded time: 3:26
